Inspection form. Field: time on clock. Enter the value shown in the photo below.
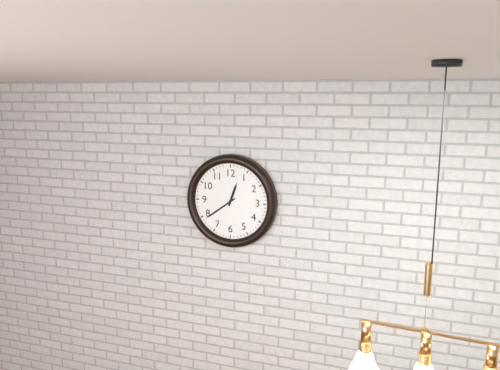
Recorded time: 12:39
